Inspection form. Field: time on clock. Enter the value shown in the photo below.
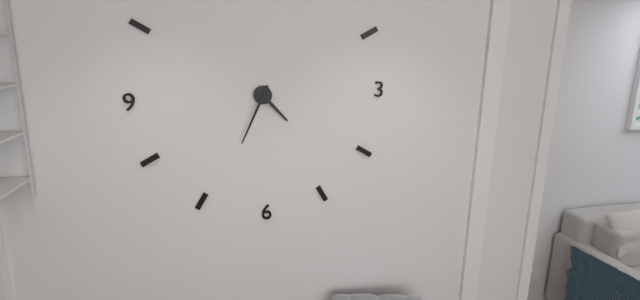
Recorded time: 4:34
